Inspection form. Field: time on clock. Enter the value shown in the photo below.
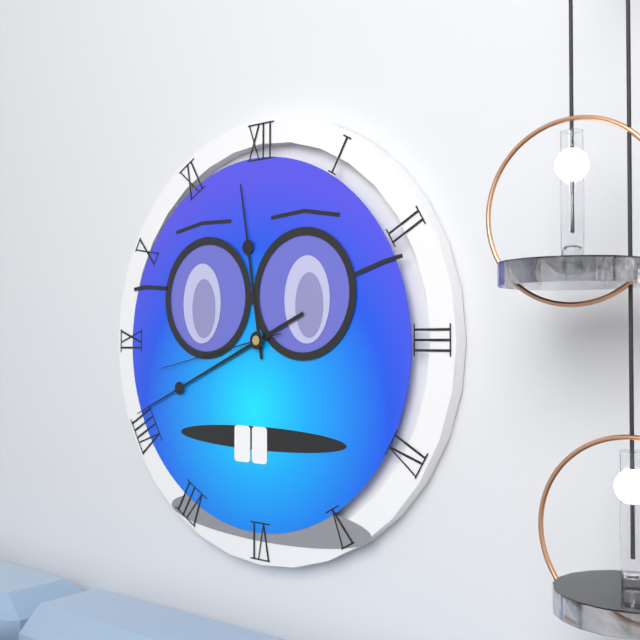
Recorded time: 11:41:43
